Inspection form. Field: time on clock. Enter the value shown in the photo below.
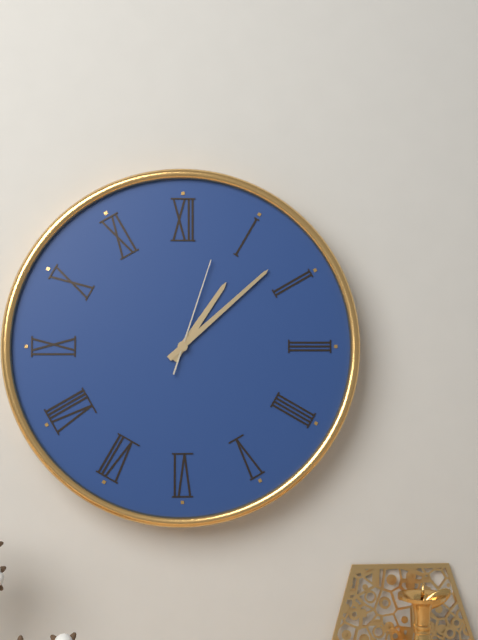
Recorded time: 1:08:03
